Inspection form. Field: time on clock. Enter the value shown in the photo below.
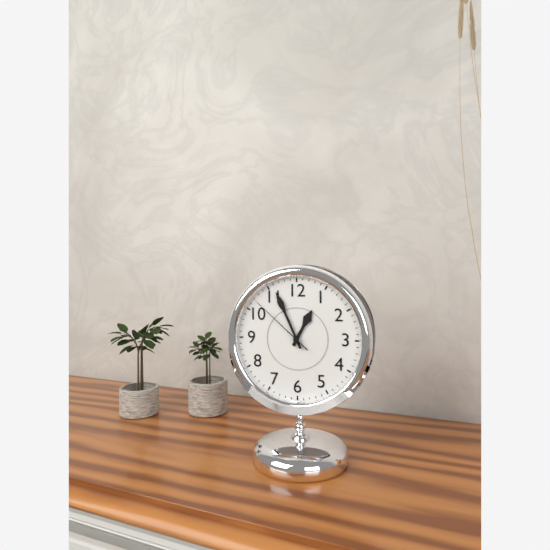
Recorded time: 12:56:52
